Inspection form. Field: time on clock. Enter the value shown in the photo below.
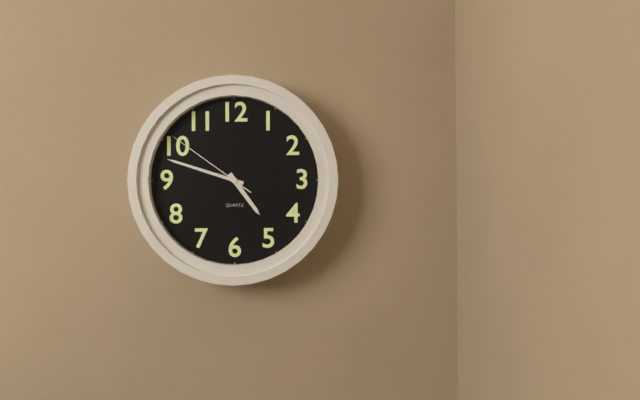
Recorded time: 4:48:51
